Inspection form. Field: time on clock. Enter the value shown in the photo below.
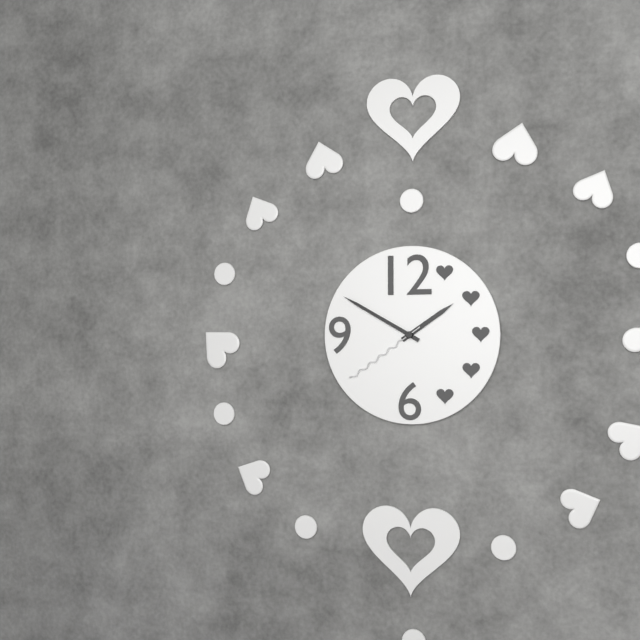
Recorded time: 1:50:39
